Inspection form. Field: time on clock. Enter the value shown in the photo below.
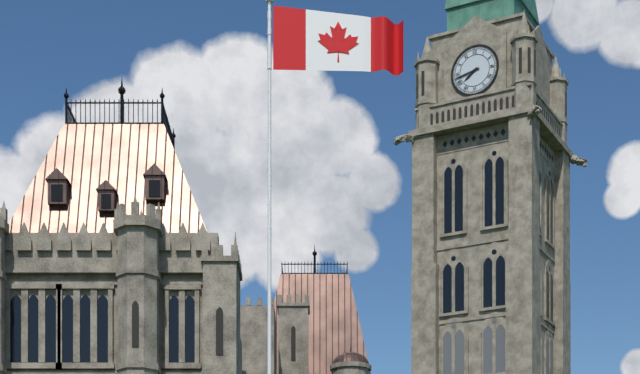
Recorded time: 7:43
